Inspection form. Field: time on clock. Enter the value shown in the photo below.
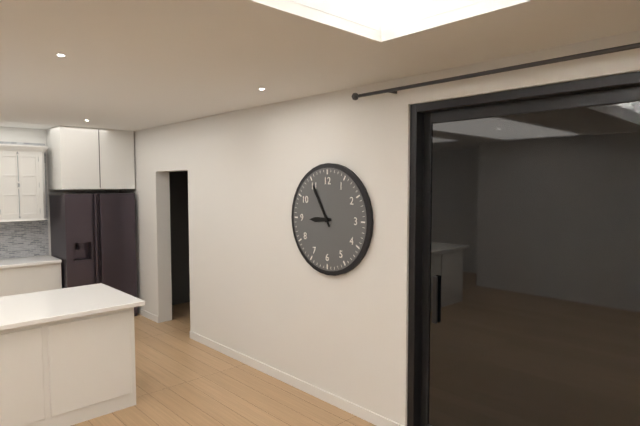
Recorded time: 8:55
